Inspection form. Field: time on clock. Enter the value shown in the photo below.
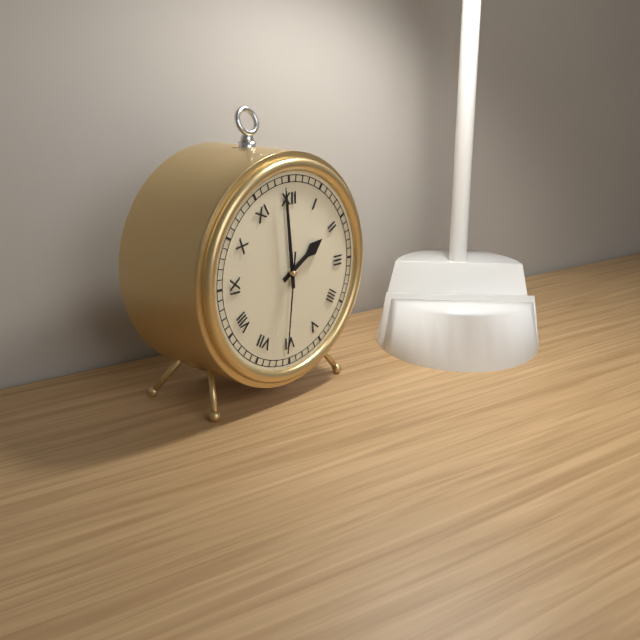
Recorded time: 1:59:31
